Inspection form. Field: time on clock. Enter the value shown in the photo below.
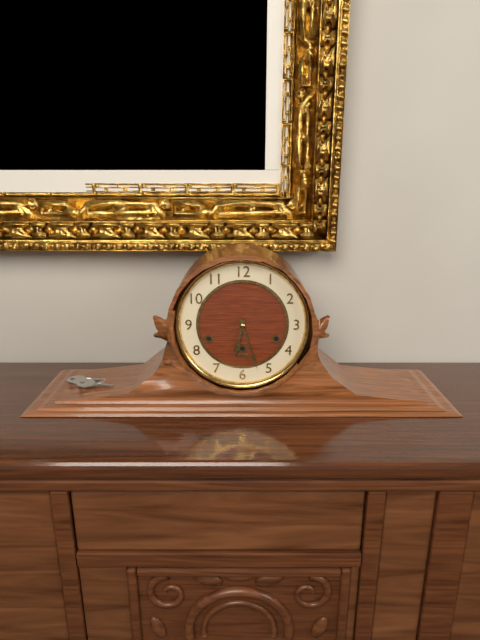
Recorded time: 6:27
